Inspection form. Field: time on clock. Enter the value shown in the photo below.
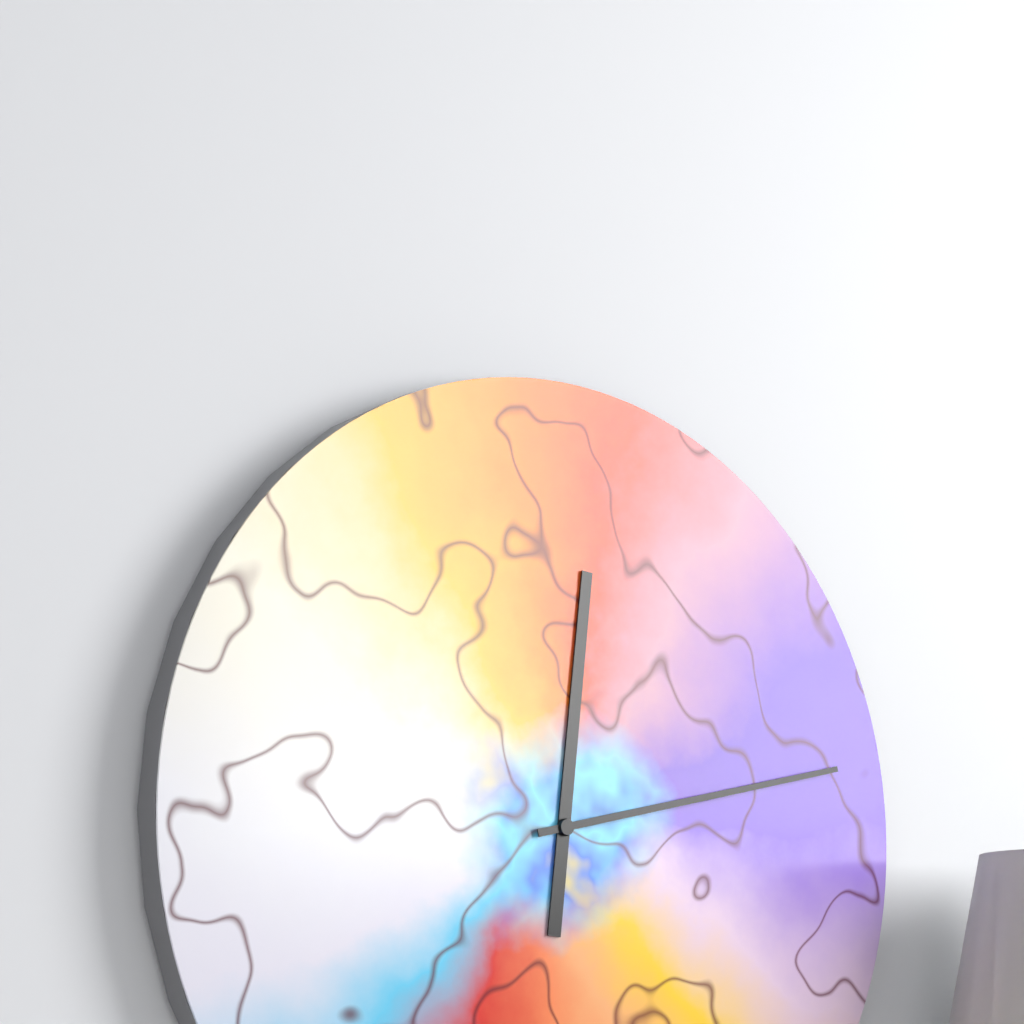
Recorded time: 12:13
